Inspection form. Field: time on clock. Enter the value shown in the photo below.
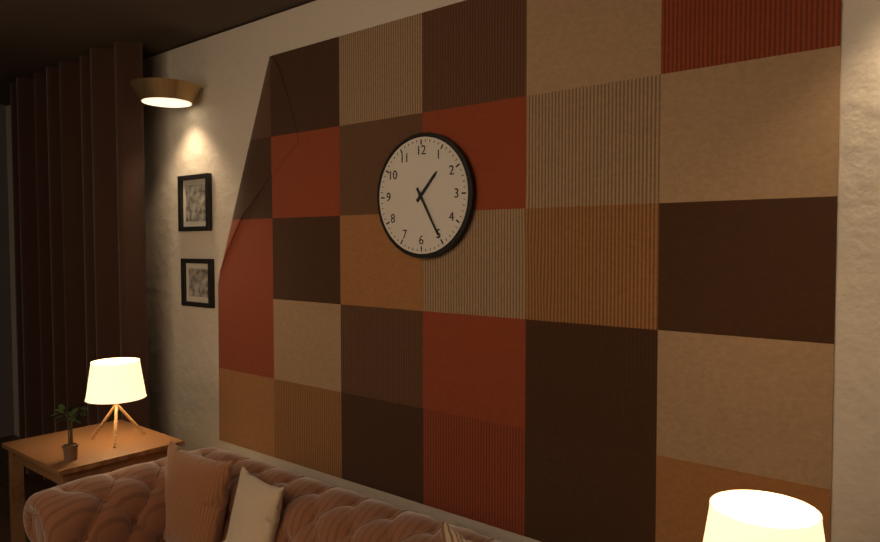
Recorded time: 1:25
